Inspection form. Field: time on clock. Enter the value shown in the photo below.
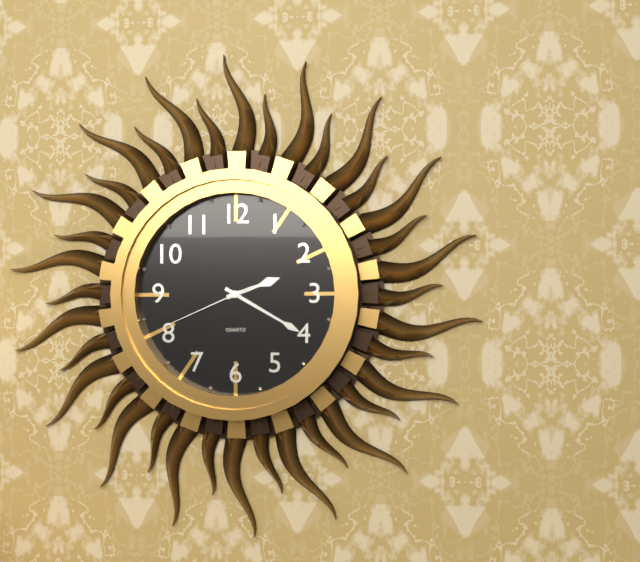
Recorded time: 2:20:41
